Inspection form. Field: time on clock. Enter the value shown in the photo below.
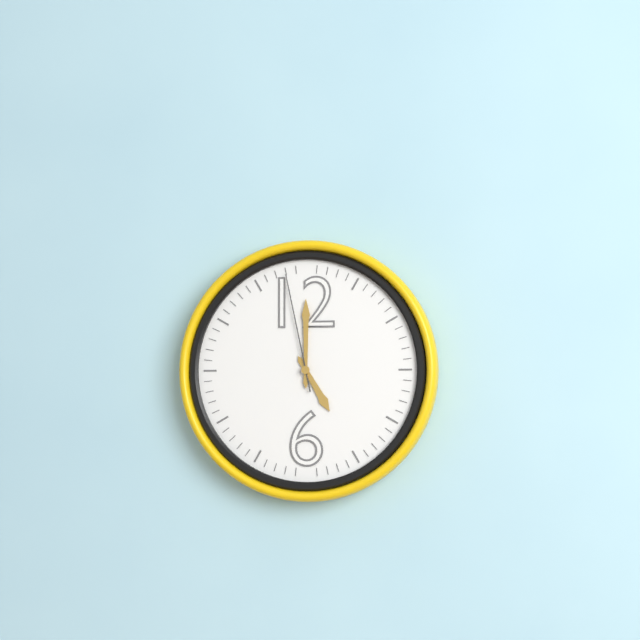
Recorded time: 5:00:58
